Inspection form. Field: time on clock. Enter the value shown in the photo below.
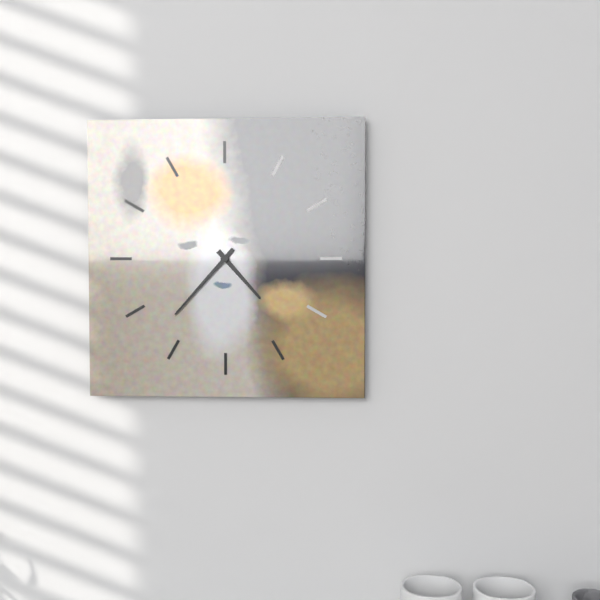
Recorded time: 4:37
